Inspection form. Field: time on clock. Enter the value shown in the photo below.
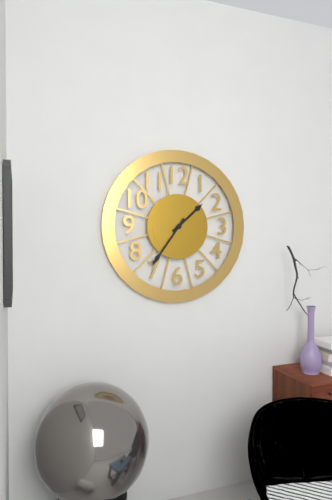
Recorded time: 1:36
